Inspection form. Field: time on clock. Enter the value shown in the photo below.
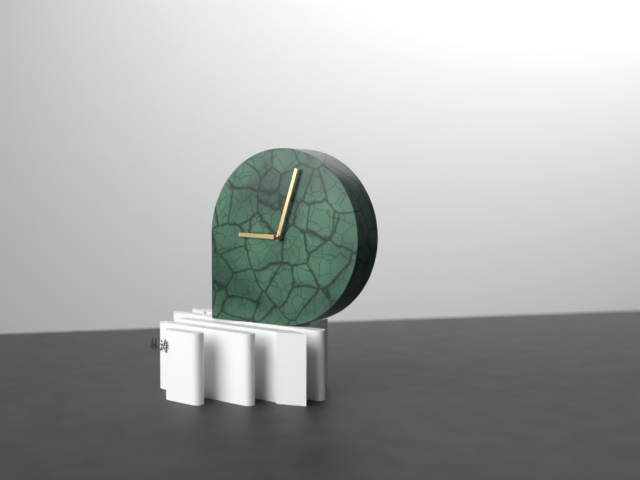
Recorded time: 9:03
